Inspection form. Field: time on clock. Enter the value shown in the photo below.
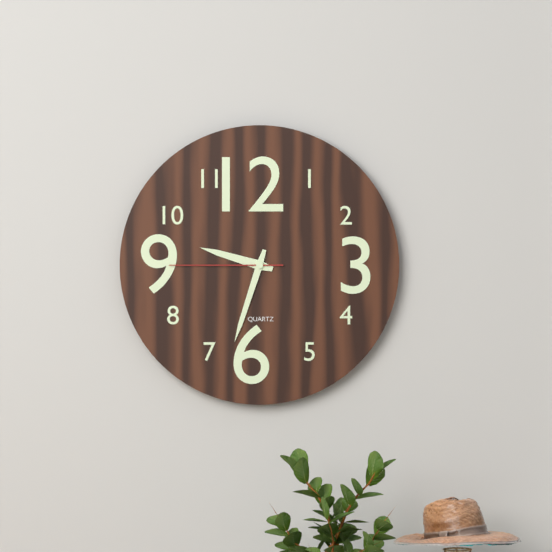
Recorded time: 9:33:45
